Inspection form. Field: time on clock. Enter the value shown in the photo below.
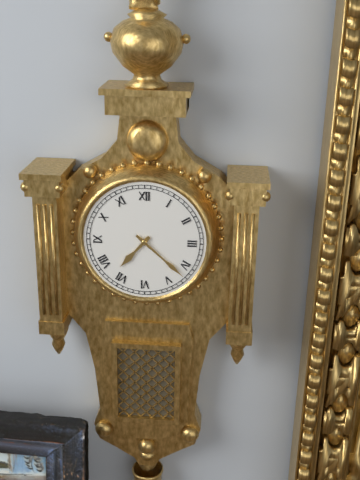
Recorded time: 7:22
